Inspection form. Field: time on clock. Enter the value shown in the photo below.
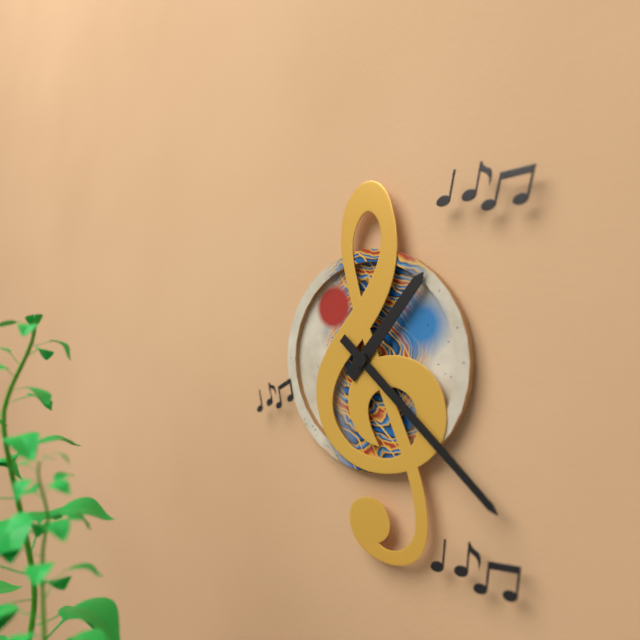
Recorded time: 1:22
